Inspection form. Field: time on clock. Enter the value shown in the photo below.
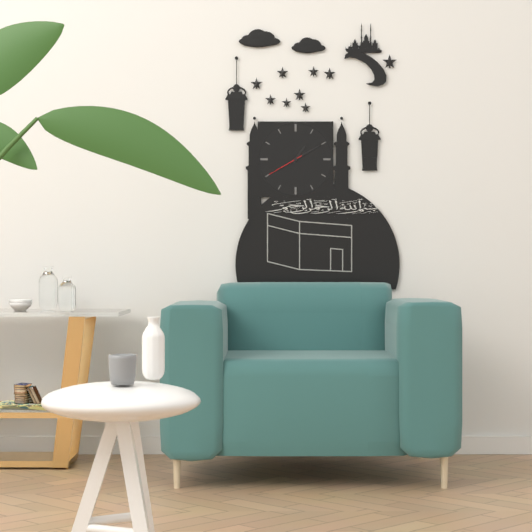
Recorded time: 1:10
